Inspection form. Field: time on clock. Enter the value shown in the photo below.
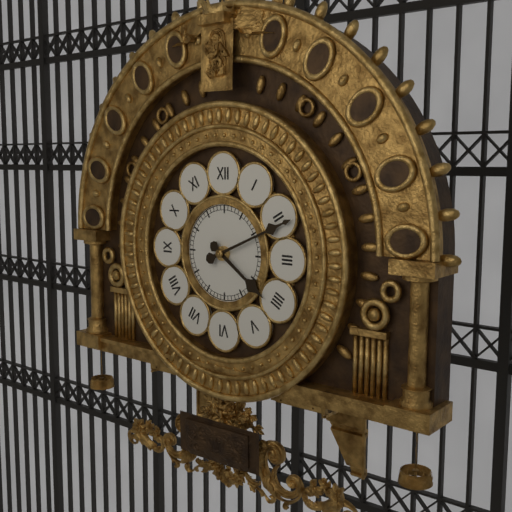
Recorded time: 4:11
